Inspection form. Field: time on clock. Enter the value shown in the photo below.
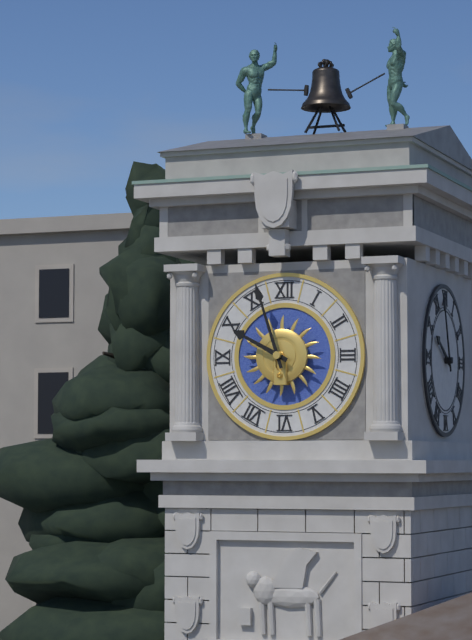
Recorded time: 9:57
